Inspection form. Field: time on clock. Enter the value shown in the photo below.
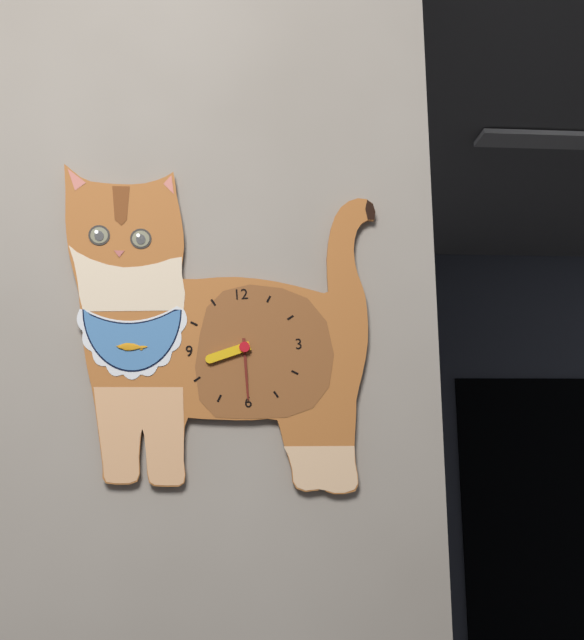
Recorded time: 8:30
